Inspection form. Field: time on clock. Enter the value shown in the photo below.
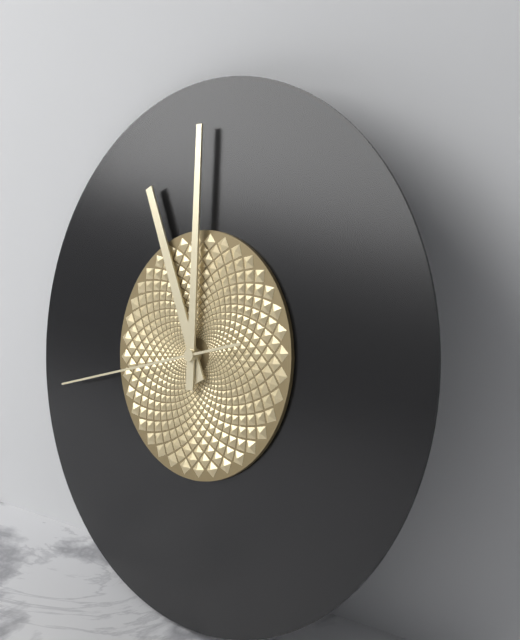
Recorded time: 10:59:42
